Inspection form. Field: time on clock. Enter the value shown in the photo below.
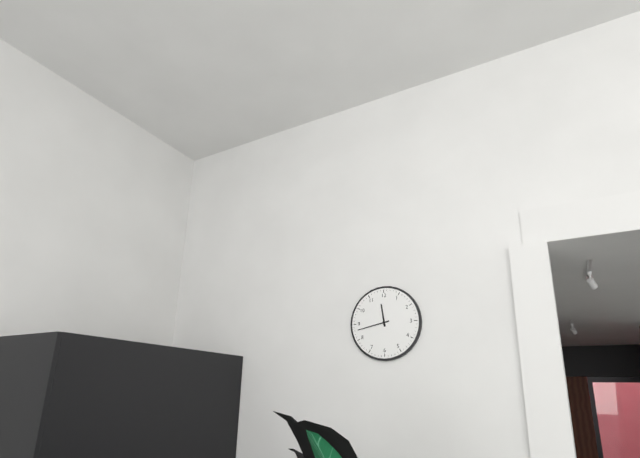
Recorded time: 11:43
